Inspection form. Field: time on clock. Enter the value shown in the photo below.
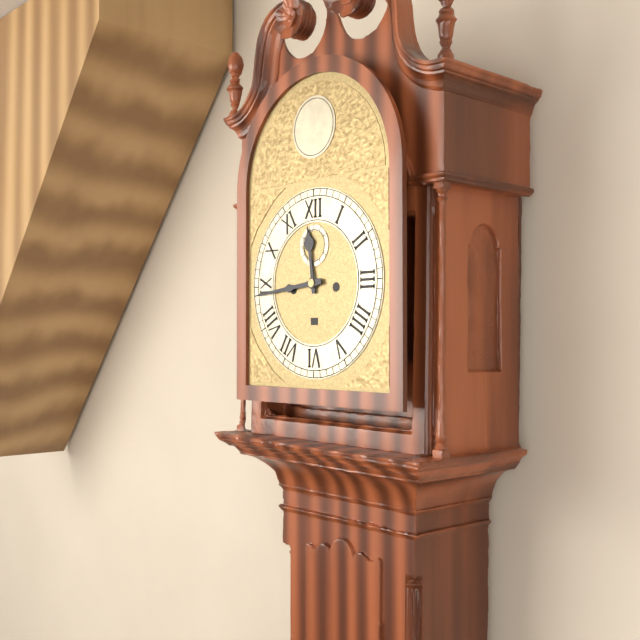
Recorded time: 11:44
